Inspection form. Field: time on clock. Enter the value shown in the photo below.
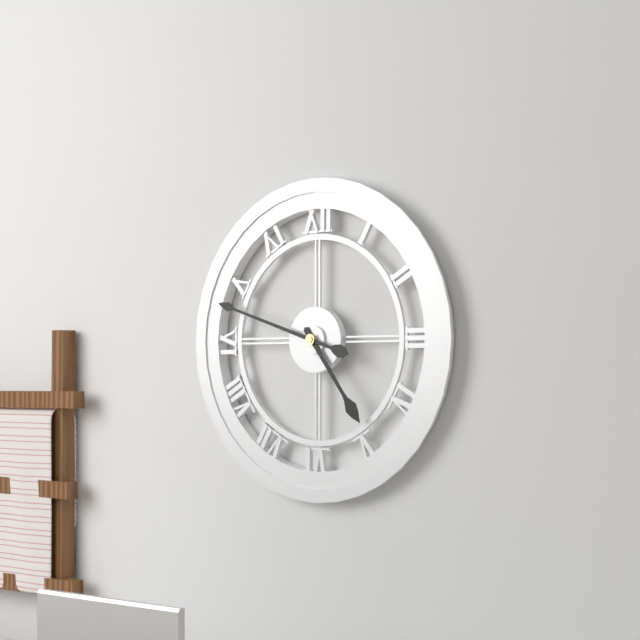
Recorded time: 4:48
